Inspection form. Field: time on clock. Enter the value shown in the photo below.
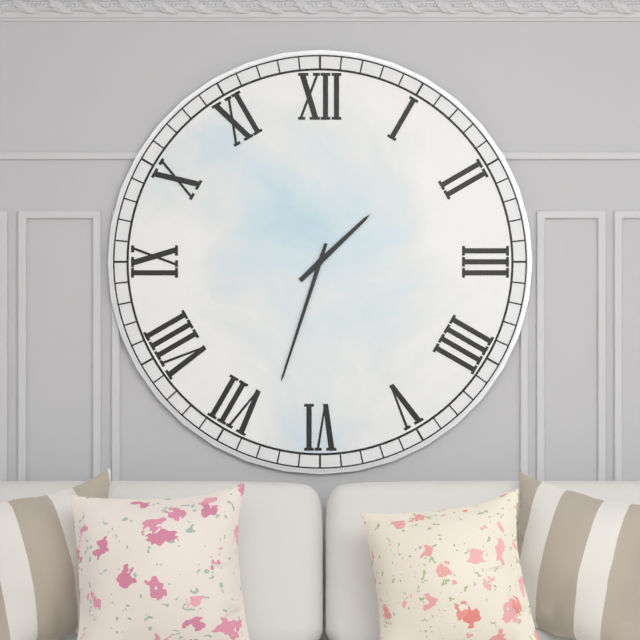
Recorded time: 1:33
